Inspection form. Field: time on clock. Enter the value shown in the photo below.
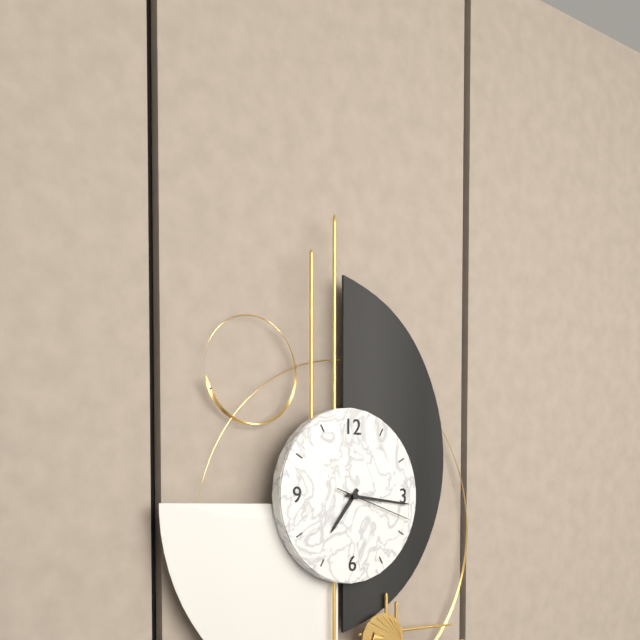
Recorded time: 7:16:18
